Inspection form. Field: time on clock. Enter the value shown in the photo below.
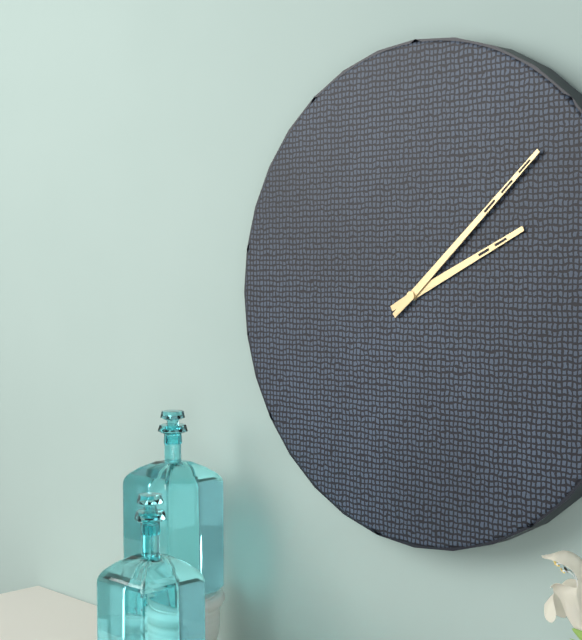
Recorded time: 2:08
